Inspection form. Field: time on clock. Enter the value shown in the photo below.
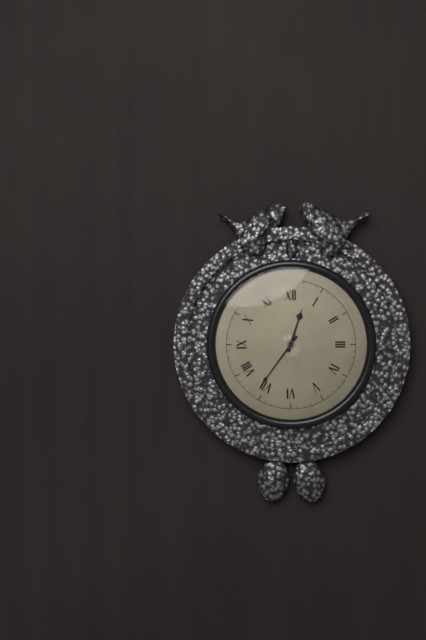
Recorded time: 12:36
